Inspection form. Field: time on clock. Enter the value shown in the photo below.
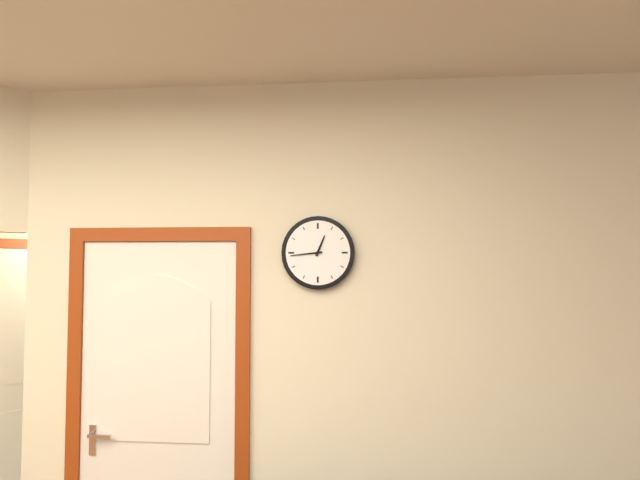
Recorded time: 12:44
